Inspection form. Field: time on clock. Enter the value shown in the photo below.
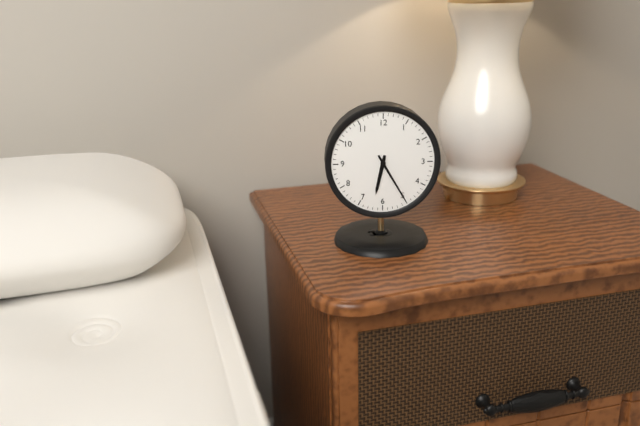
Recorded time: 6:25
